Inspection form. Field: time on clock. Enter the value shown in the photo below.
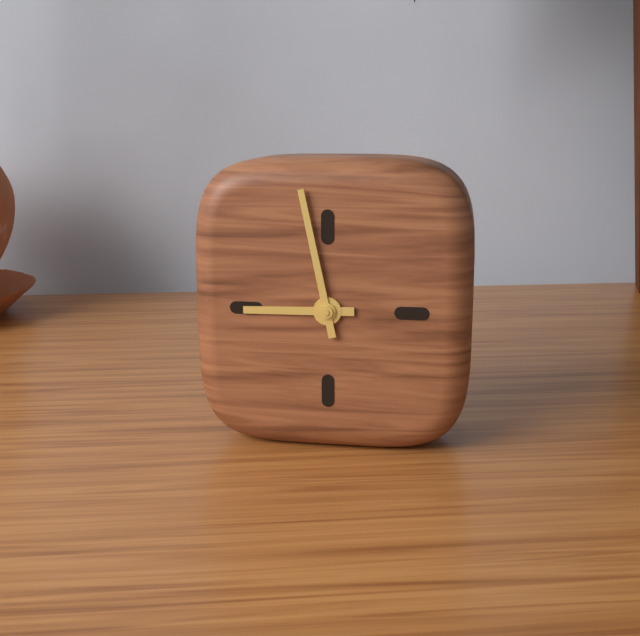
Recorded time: 8:58
